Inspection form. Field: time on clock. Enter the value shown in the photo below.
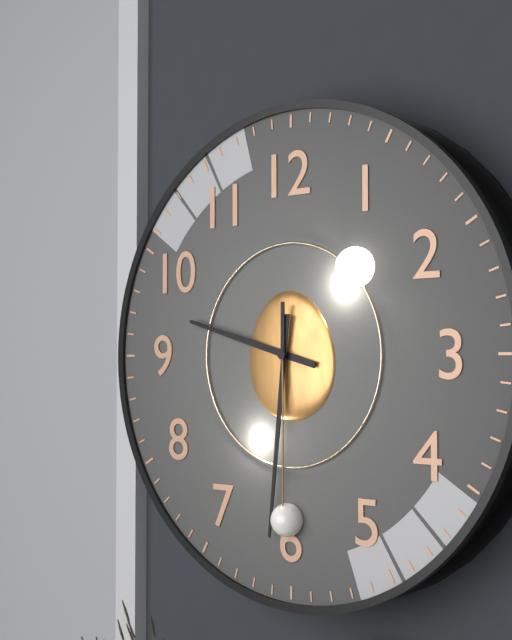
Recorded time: 9:31:30
